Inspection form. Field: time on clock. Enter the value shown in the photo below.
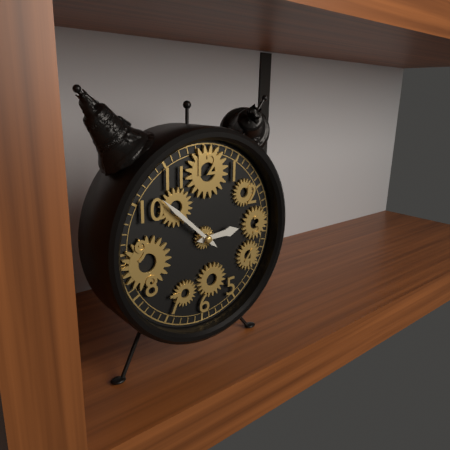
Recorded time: 2:52
